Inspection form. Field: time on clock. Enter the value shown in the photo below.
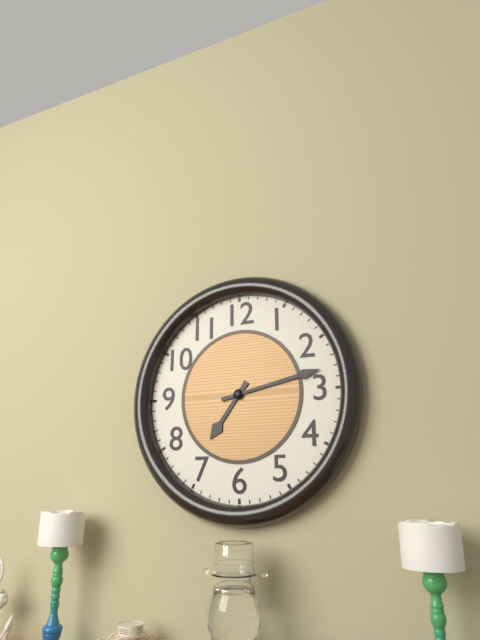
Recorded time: 7:13
